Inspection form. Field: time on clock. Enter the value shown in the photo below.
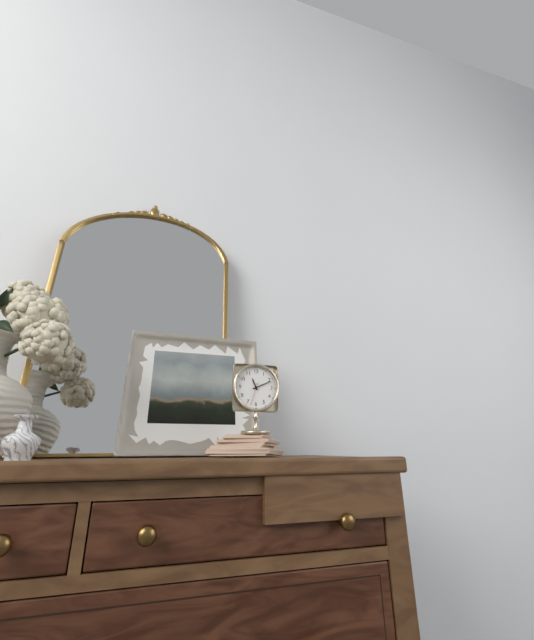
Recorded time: 11:11
